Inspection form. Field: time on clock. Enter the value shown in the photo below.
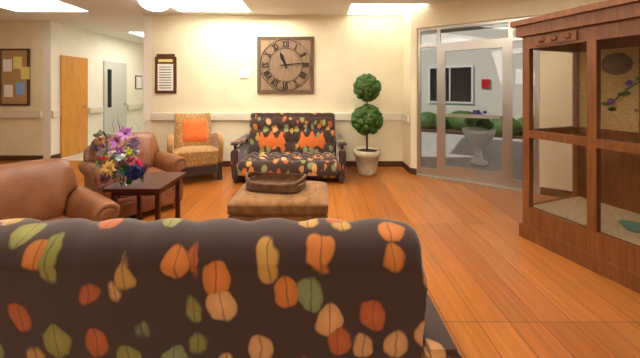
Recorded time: 11:14
